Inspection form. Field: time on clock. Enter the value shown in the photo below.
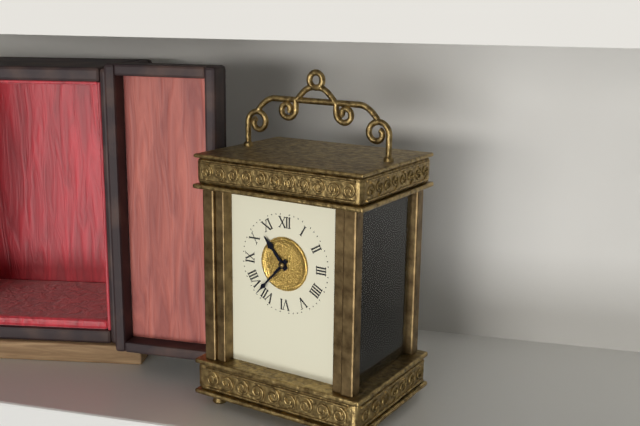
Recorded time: 10:37
